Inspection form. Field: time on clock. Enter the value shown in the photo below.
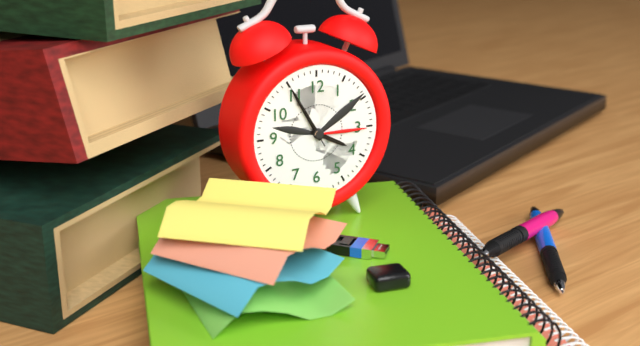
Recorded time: 3:55:55
